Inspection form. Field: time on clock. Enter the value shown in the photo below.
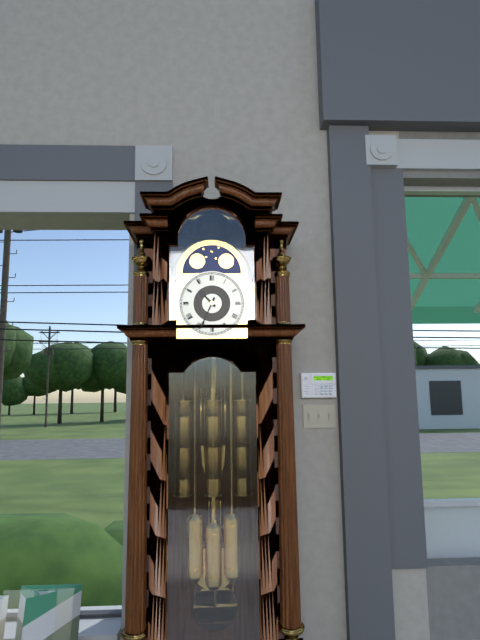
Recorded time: 10:34
